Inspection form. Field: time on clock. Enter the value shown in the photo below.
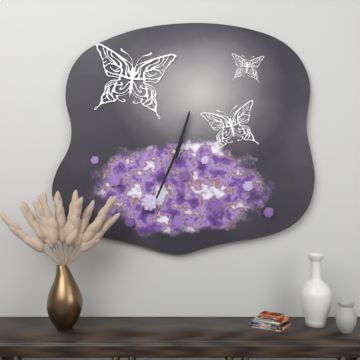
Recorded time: 12:34
